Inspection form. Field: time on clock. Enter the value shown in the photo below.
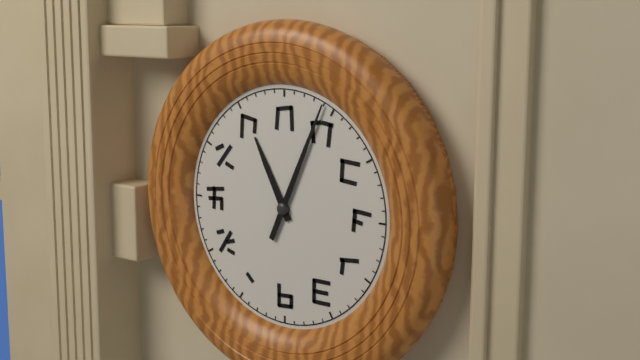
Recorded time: 11:04
